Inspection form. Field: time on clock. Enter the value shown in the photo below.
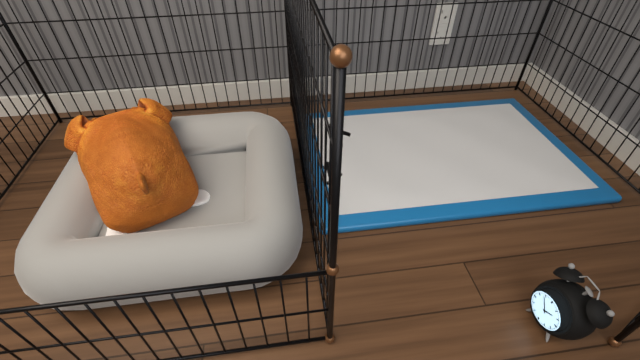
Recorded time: 1:54
